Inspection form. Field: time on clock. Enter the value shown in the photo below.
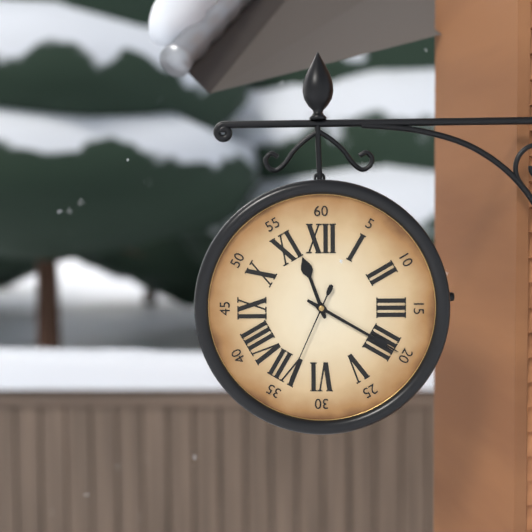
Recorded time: 11:20:34
